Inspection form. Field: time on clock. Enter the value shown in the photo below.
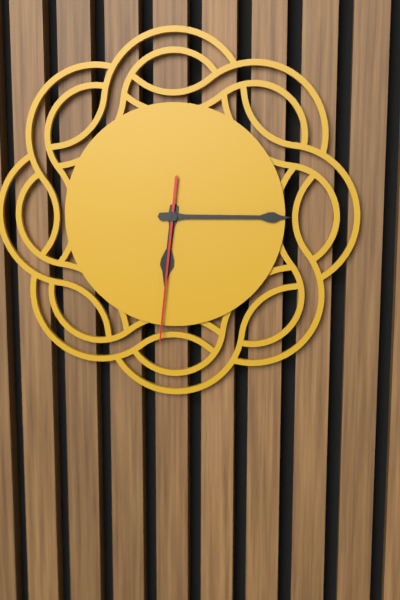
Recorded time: 6:15:31
